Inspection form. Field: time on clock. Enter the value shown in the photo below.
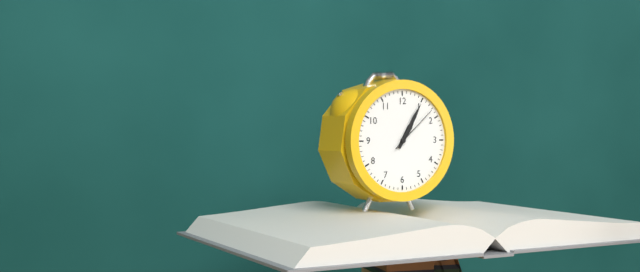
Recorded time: 1:05:08
